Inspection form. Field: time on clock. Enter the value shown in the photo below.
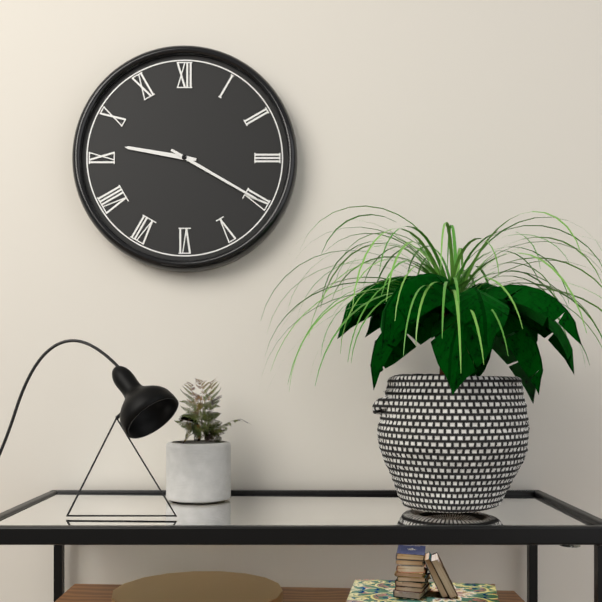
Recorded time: 9:20
